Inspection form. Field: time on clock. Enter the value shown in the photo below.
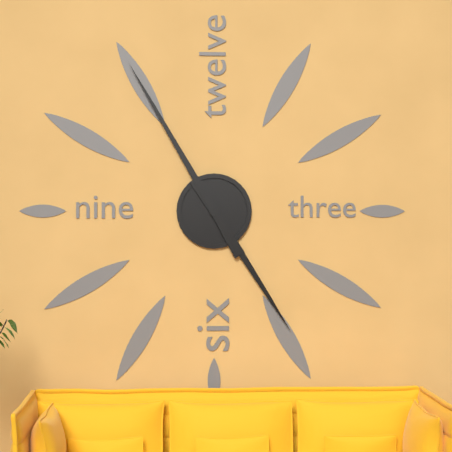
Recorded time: 4:55
